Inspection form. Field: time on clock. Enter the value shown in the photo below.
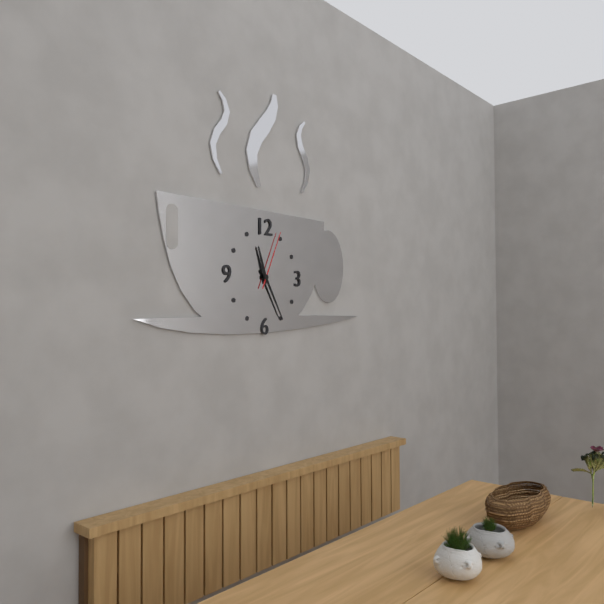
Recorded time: 11:25:04
